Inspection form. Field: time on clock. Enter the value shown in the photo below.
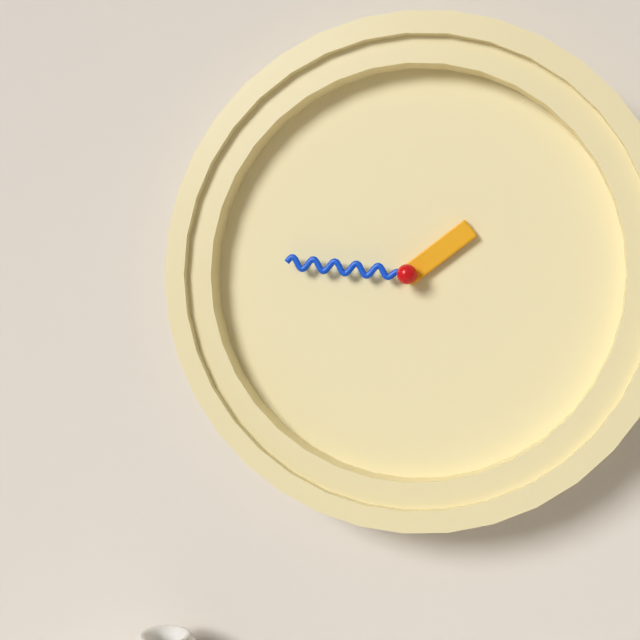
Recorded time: 1:46
